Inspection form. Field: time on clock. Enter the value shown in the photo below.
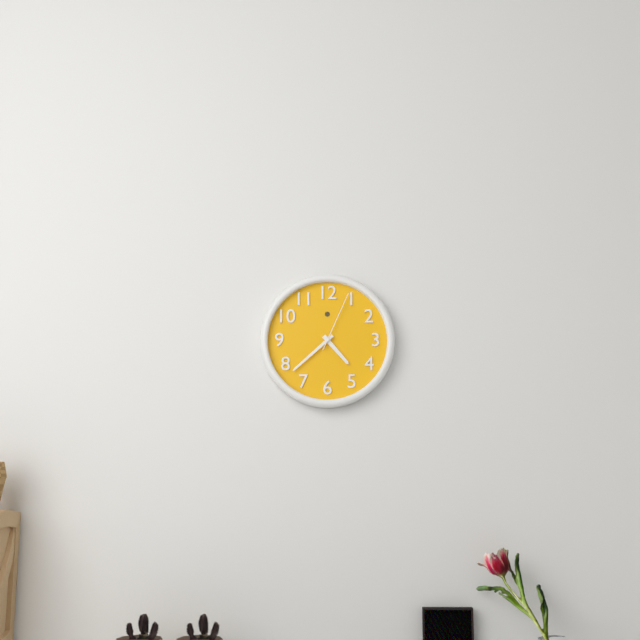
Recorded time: 4:38:04
